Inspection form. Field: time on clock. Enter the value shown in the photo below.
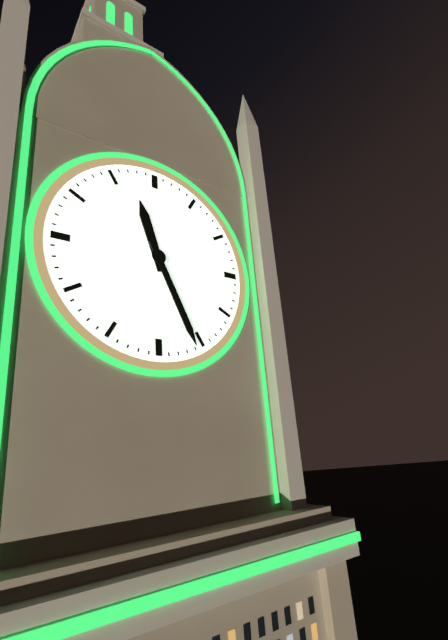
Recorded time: 11:26
